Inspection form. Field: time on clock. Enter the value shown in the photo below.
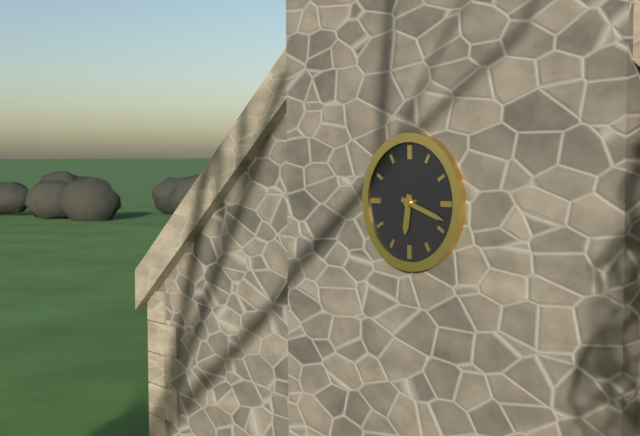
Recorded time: 6:18
